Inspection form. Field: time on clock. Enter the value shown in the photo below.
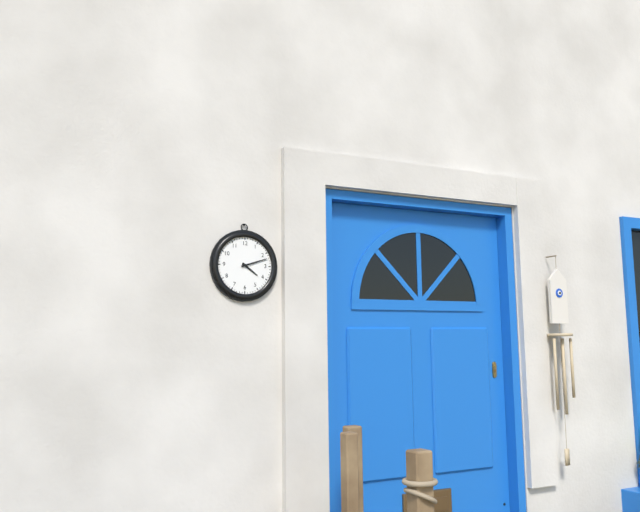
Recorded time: 4:12
